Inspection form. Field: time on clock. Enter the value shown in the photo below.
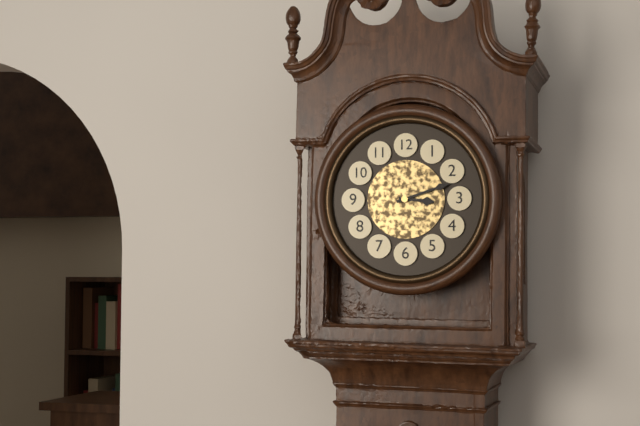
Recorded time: 3:12
